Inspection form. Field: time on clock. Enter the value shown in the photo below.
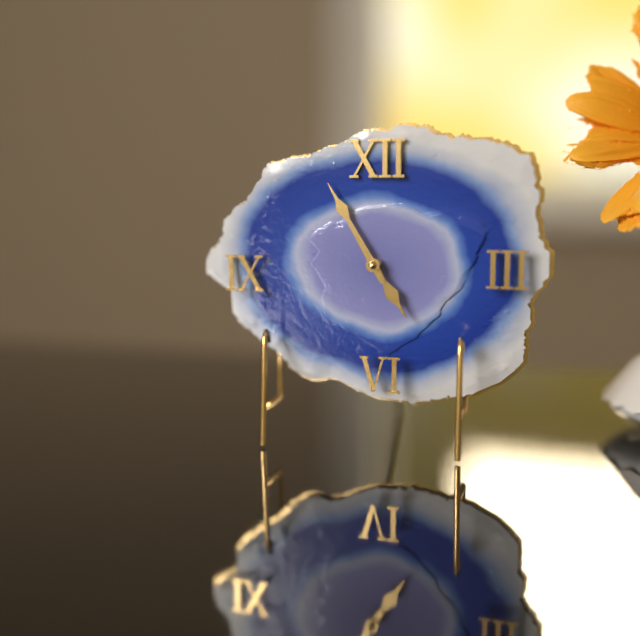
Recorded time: 4:55
